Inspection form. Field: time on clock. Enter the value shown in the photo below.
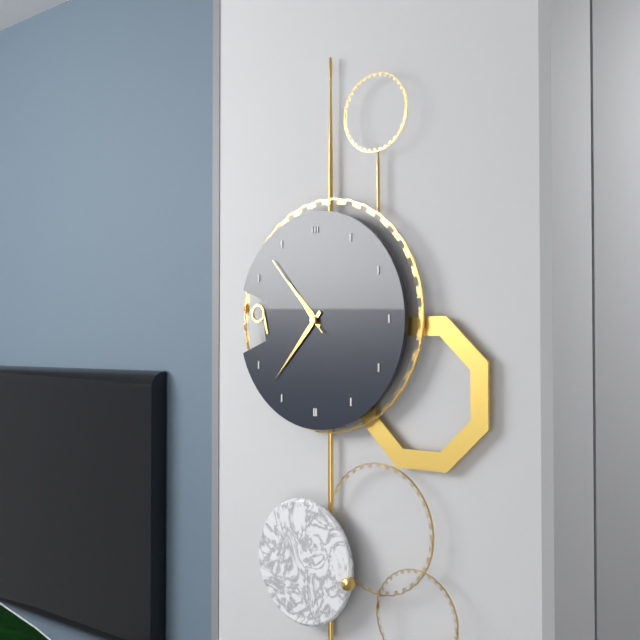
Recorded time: 10:37:53
